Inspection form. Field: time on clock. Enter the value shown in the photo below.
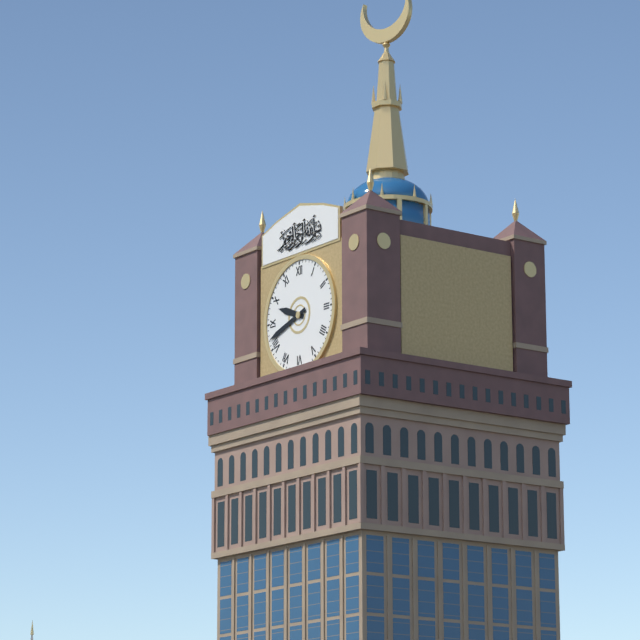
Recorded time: 9:42
